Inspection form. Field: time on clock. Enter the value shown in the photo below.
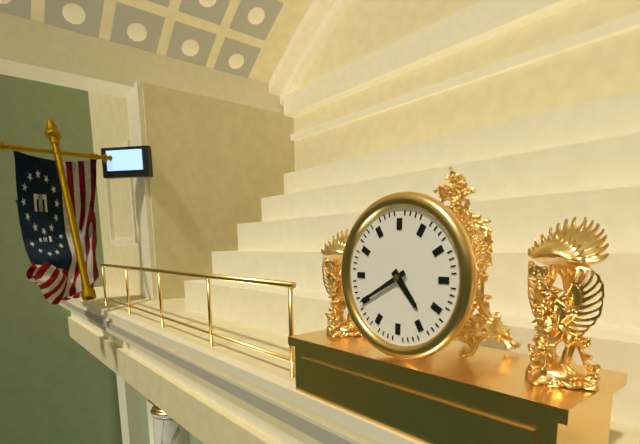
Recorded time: 4:40
